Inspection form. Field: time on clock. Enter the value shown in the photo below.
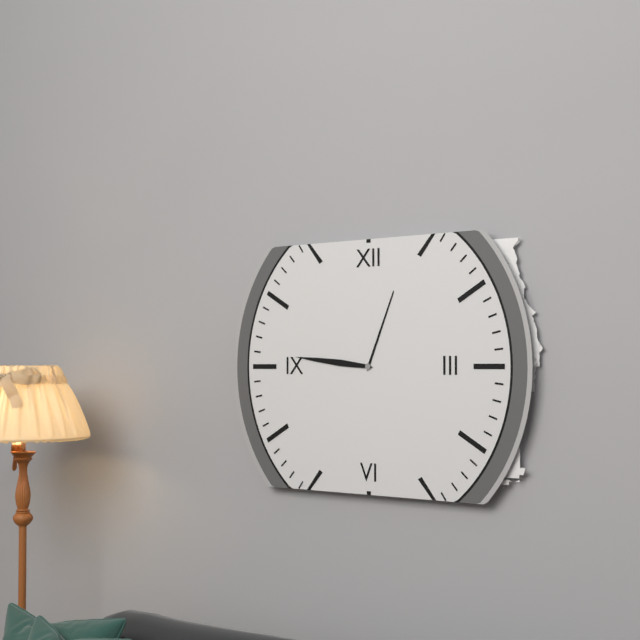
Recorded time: 12:46
